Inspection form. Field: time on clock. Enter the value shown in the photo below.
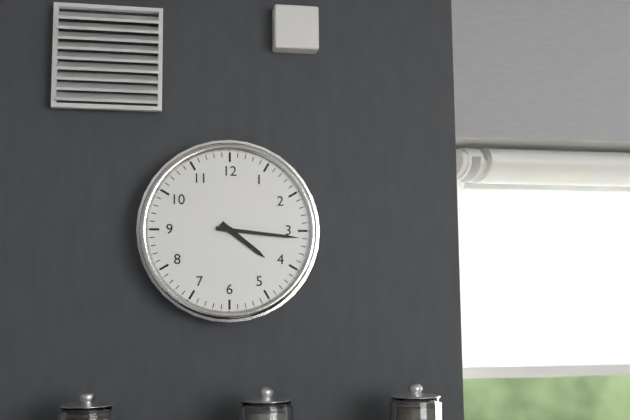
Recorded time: 4:16
